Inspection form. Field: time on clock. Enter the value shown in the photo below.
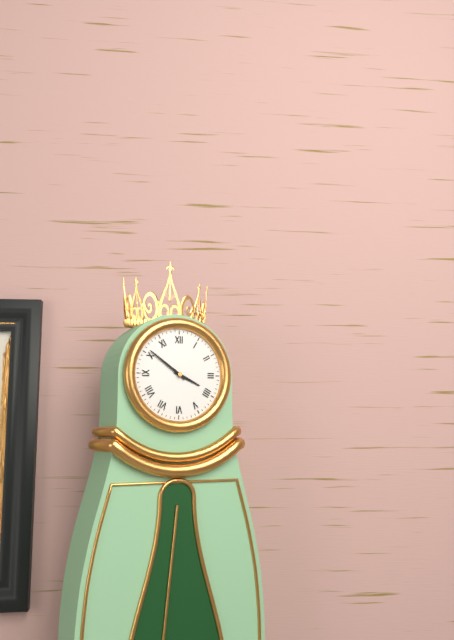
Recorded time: 3:51
